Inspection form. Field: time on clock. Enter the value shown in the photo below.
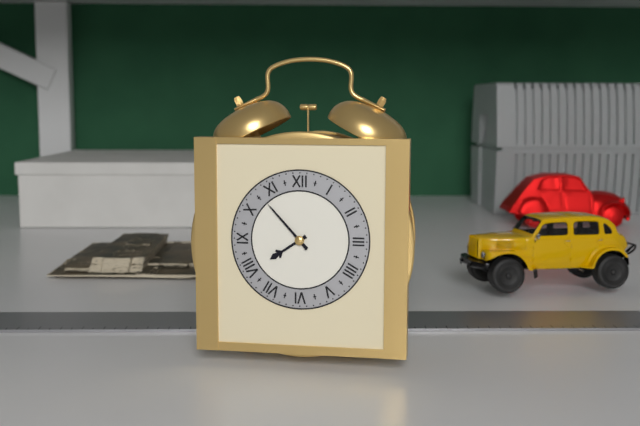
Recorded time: 7:53
